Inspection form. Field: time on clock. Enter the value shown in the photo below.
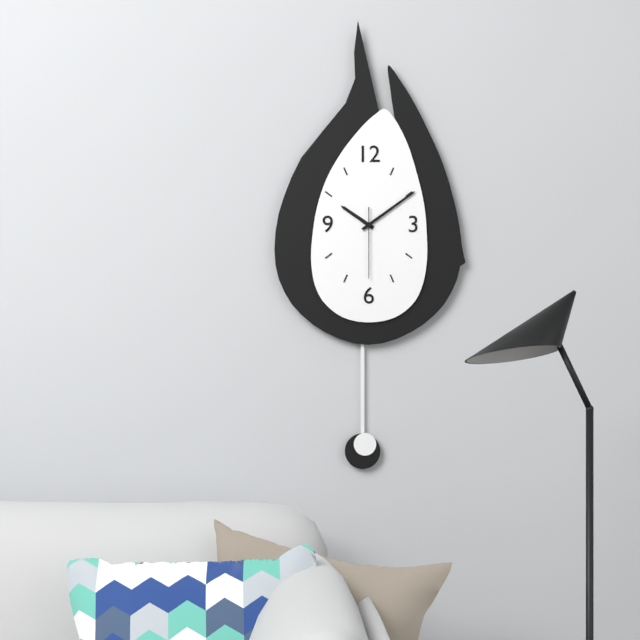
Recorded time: 10:09:30
